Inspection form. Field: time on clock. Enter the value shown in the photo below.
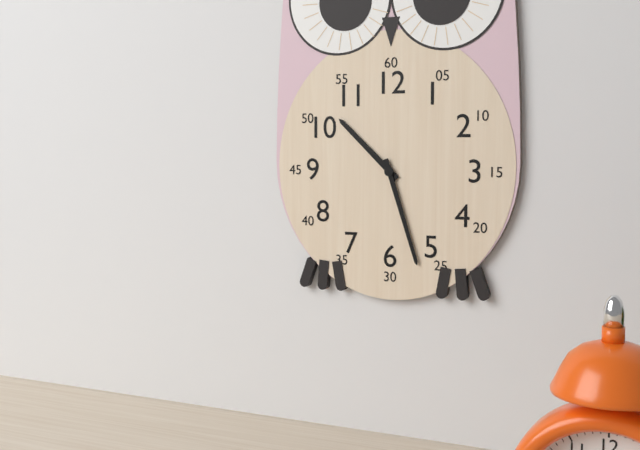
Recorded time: 10:27
